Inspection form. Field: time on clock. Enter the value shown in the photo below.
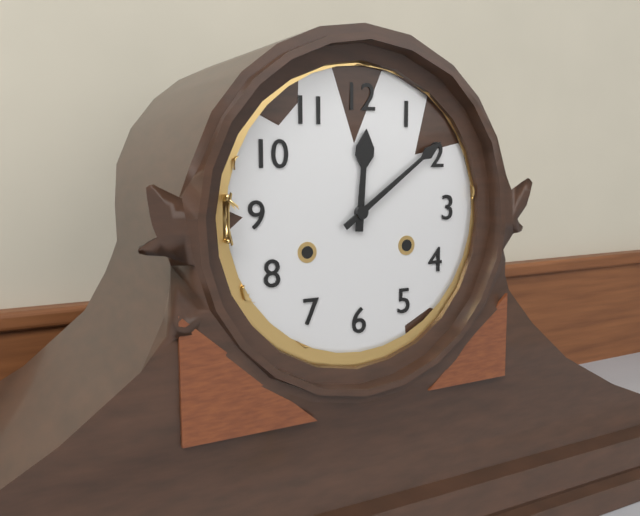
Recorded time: 12:09
